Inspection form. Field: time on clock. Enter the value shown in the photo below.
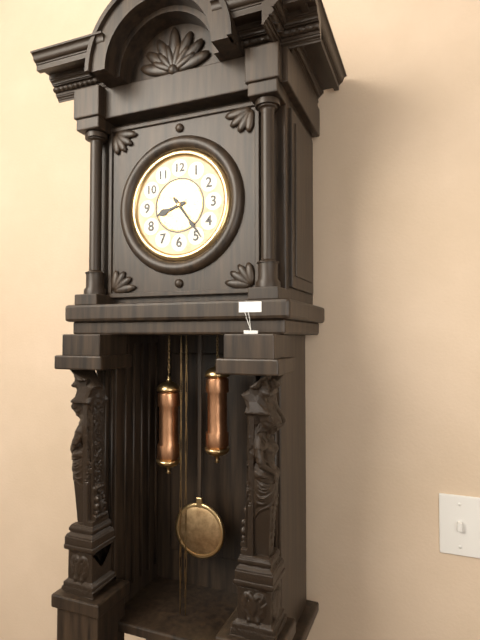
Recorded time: 8:24
